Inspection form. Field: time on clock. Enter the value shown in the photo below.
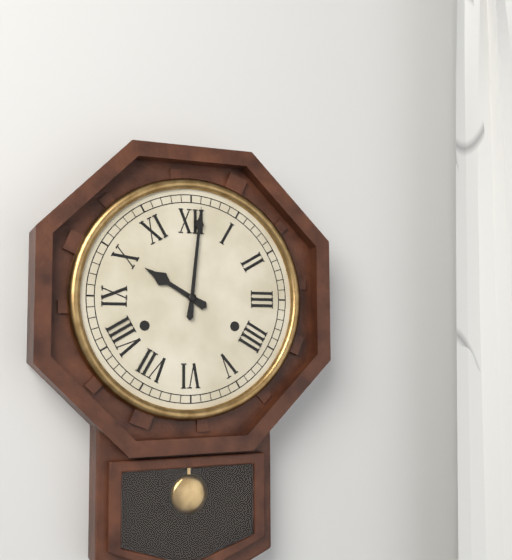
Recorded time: 10:01
